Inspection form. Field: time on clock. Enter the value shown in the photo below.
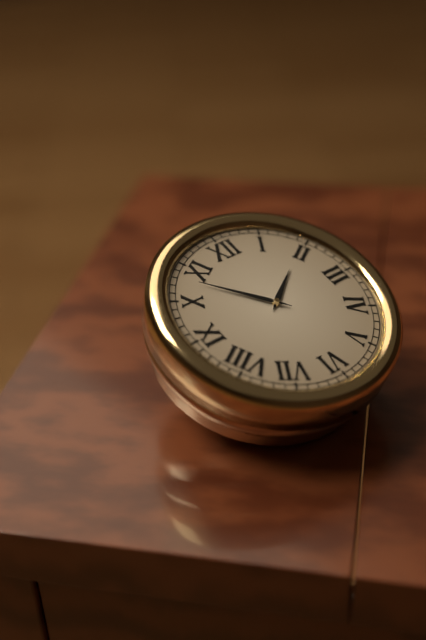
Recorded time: 1:53
